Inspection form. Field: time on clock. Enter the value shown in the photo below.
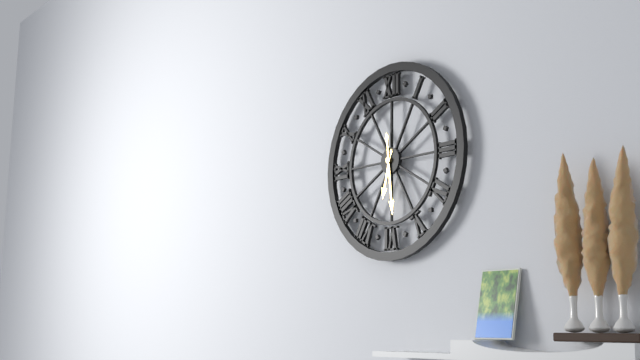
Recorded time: 6:29
